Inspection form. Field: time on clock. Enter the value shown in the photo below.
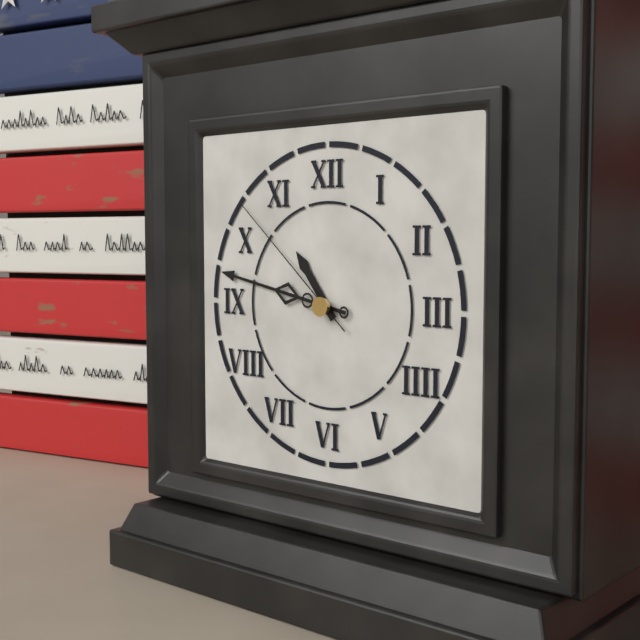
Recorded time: 10:47:52
